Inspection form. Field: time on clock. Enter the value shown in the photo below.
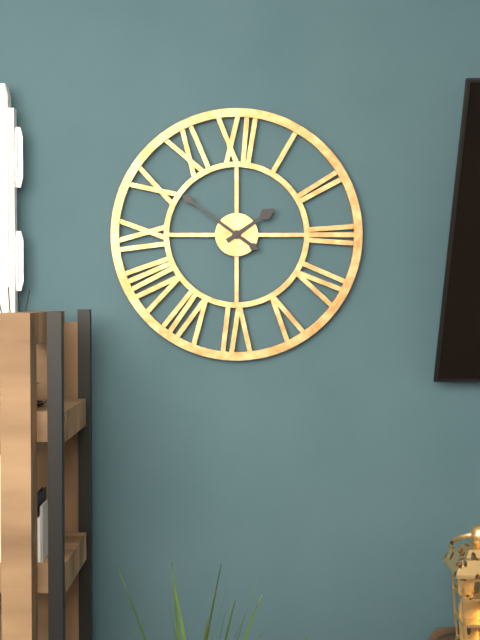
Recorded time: 1:51
